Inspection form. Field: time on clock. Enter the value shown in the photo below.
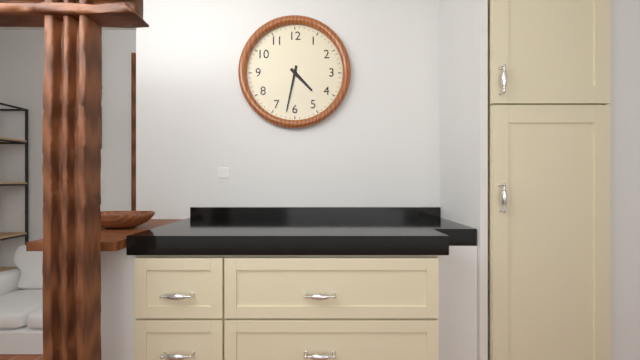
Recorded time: 4:32
